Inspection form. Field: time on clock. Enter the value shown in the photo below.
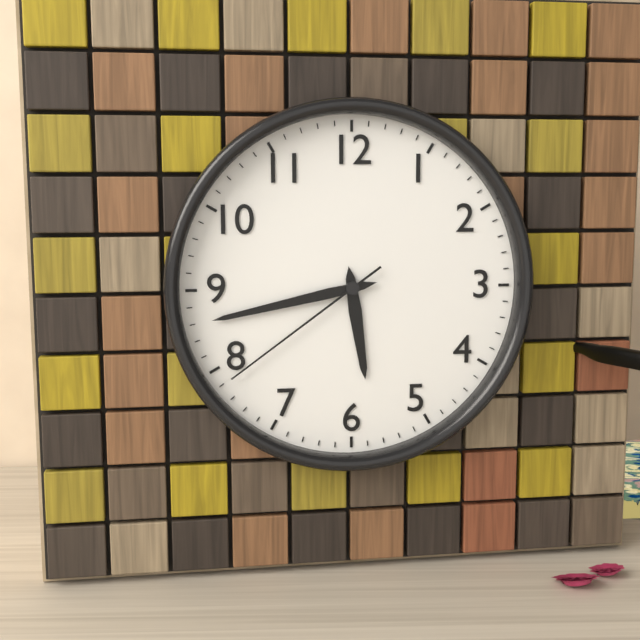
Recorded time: 5:43:39
